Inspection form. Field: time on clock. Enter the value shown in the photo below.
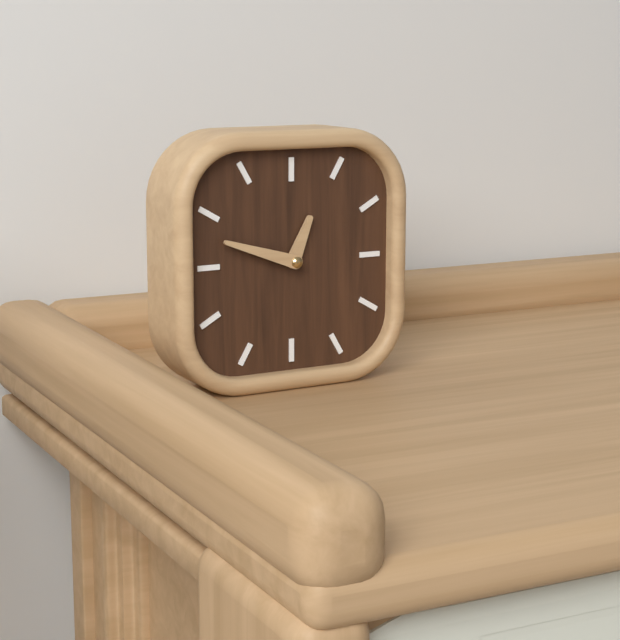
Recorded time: 12:48
